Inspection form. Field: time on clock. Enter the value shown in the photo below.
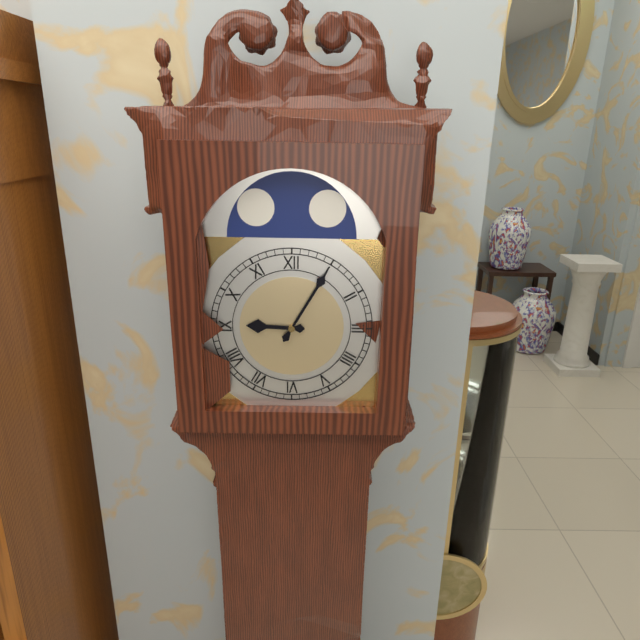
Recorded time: 9:05
